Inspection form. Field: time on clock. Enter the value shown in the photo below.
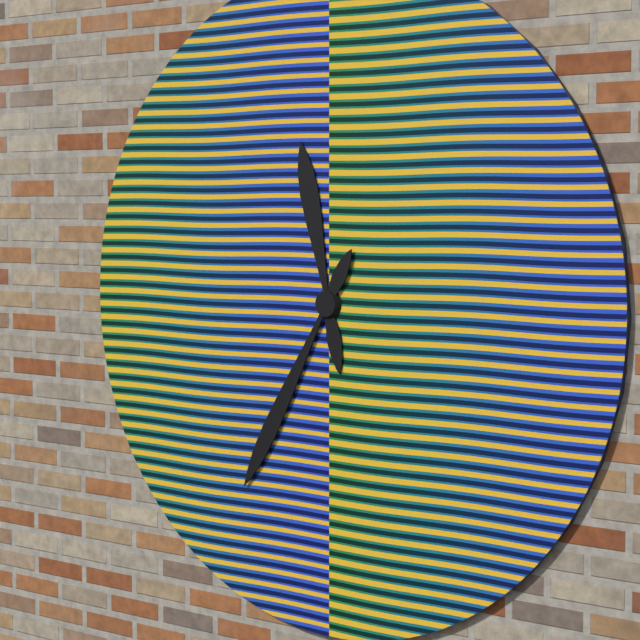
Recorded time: 11:35
